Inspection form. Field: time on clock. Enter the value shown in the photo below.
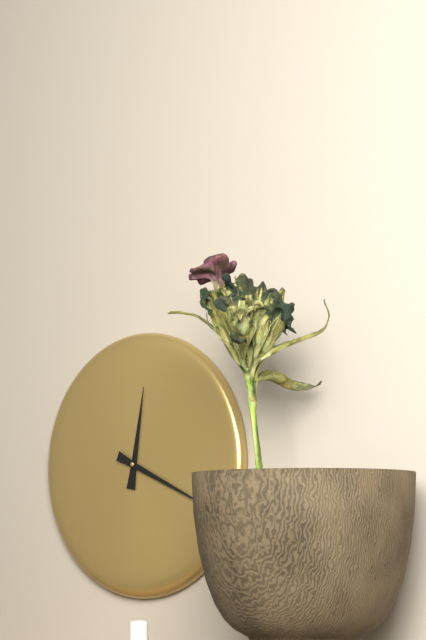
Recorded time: 12:19
